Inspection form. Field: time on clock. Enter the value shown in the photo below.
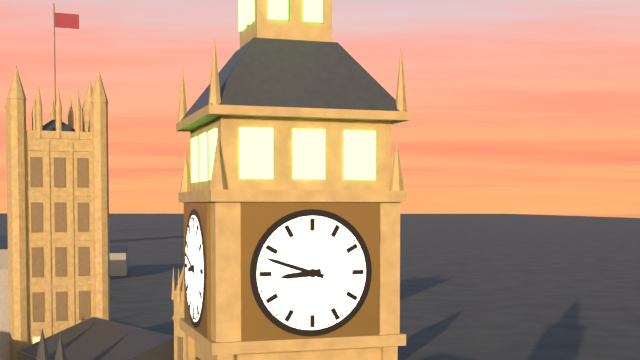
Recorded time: 8:48
